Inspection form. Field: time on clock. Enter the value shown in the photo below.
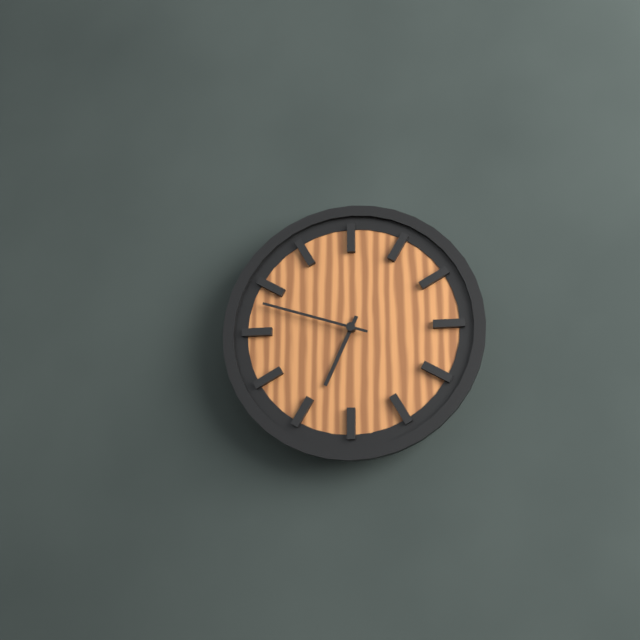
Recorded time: 6:48
